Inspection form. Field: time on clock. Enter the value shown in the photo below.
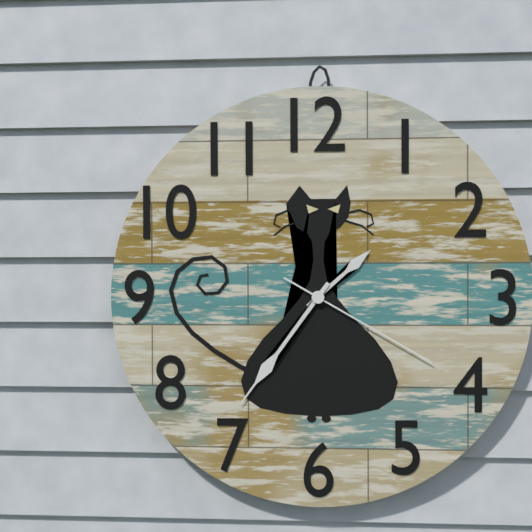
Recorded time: 1:36:20
